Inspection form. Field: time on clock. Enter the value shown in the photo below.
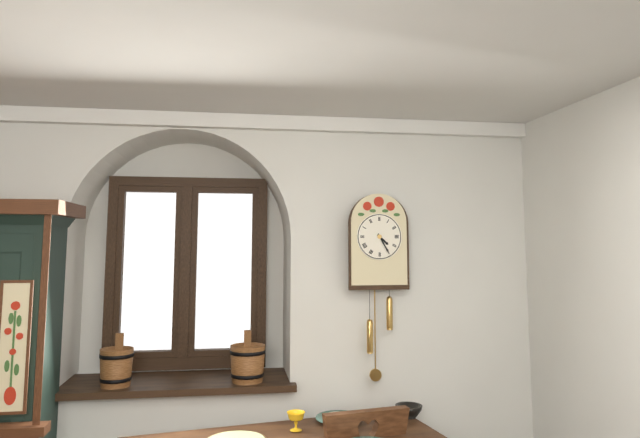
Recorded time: 4:25
